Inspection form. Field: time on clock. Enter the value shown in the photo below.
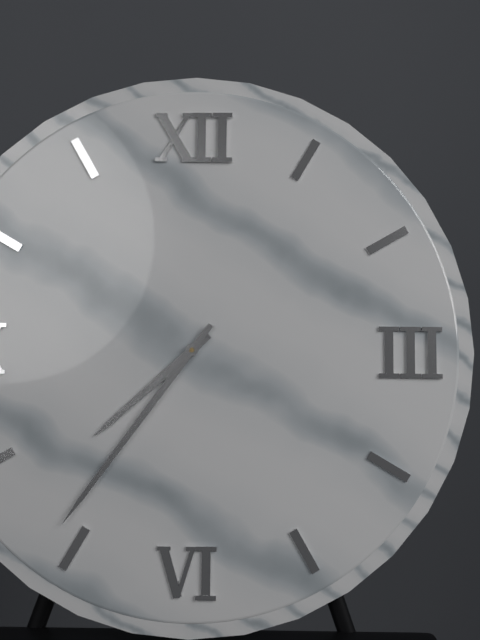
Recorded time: 7:36
